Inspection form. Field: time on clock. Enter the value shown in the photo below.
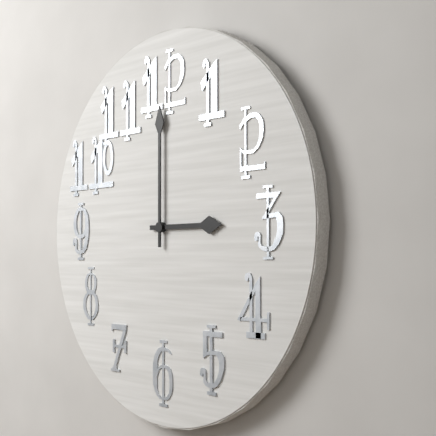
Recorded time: 3:00
